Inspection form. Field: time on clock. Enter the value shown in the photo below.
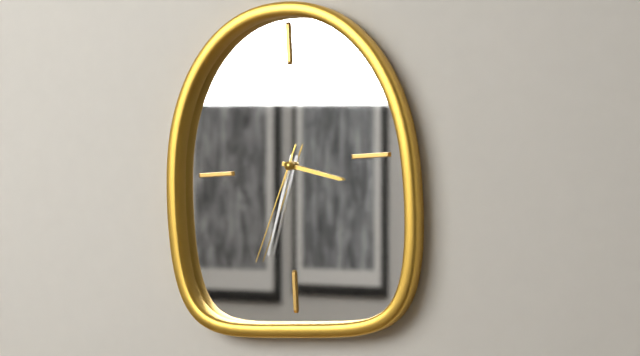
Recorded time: 3:33:34
